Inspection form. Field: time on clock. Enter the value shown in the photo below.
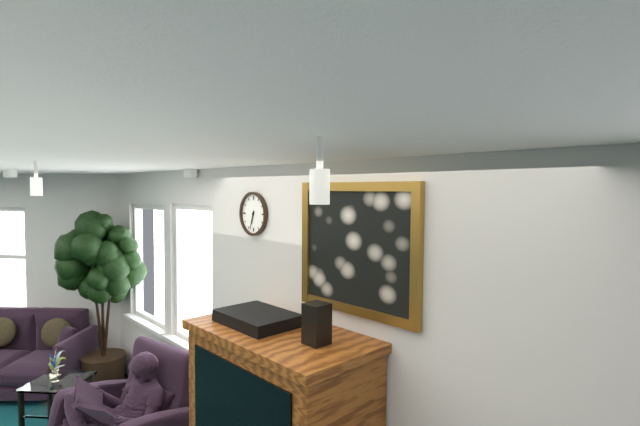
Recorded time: 6:33
